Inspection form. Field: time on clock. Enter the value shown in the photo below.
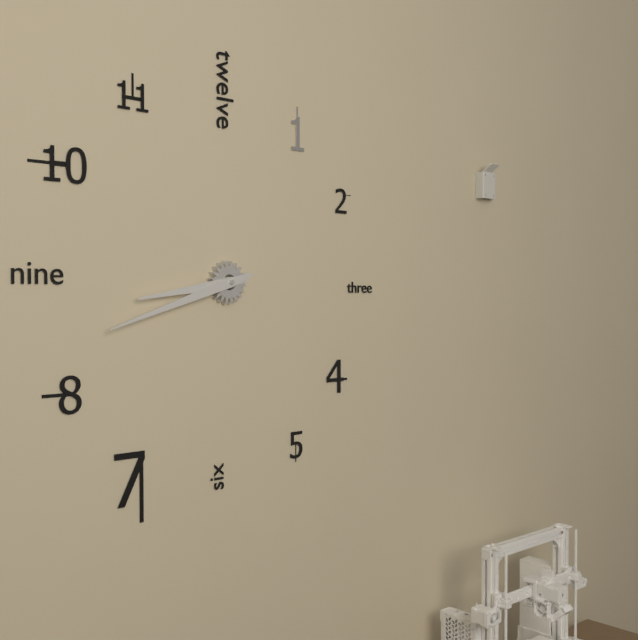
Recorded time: 8:42
